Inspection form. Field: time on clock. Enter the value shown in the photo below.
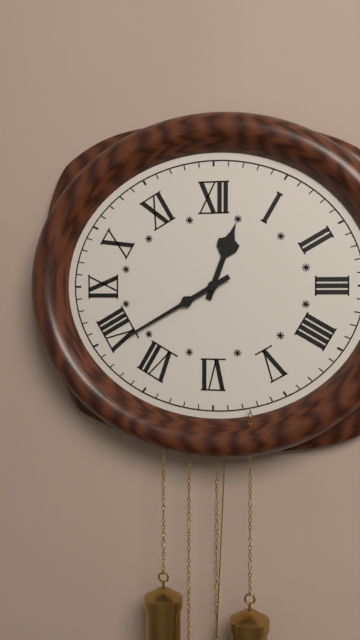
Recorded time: 12:40
